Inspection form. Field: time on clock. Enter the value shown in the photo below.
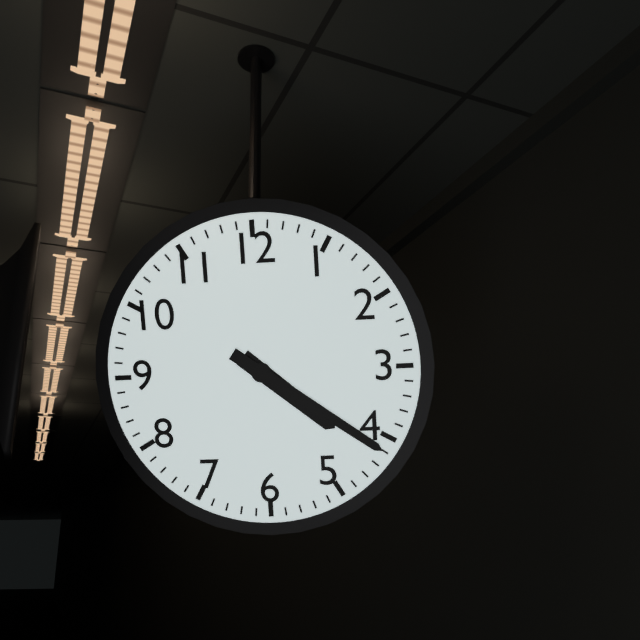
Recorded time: 4:21
